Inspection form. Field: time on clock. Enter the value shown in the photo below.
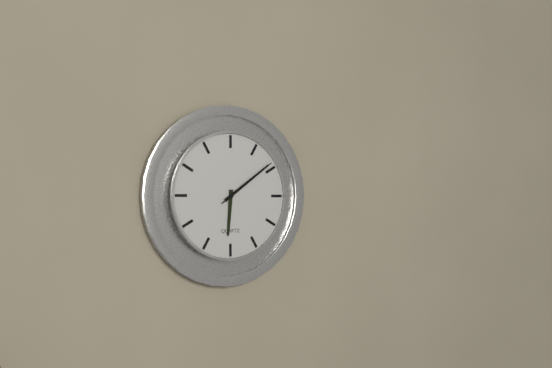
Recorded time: 6:09:09
